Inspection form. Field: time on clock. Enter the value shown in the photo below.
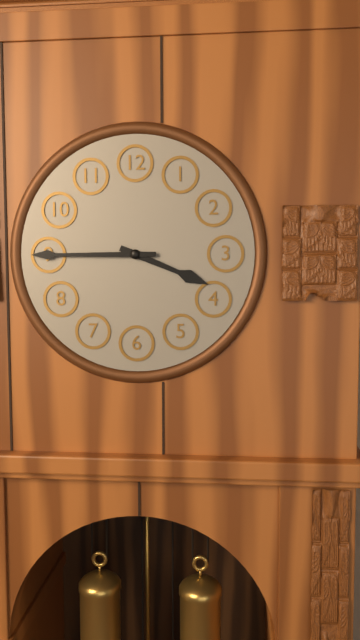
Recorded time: 3:45
